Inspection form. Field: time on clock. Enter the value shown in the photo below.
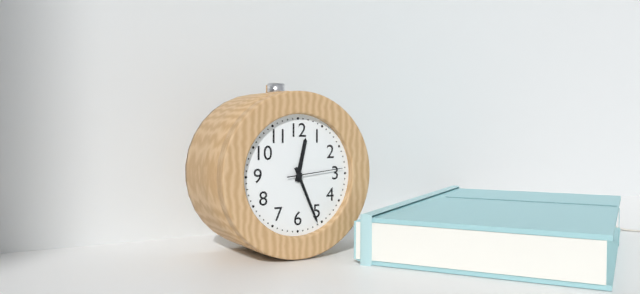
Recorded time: 12:26:14
